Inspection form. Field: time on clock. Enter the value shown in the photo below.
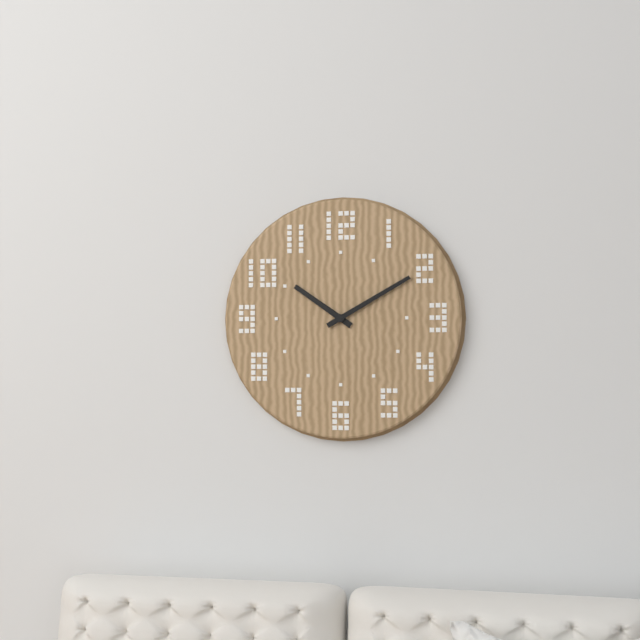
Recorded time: 10:10
